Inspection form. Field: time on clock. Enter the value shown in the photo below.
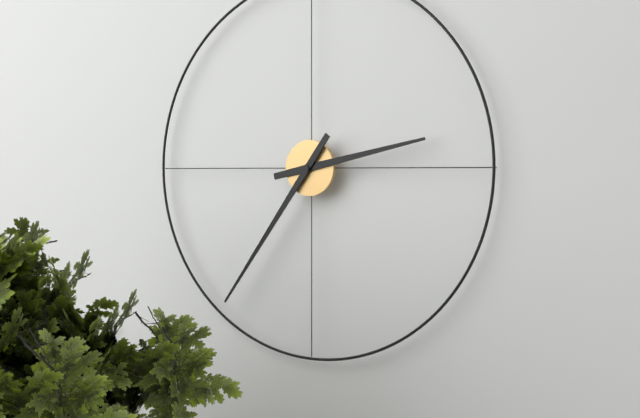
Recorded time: 2:36
